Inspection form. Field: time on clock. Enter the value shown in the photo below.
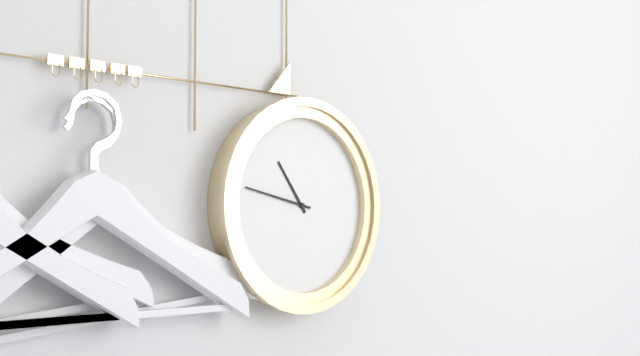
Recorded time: 10:47
